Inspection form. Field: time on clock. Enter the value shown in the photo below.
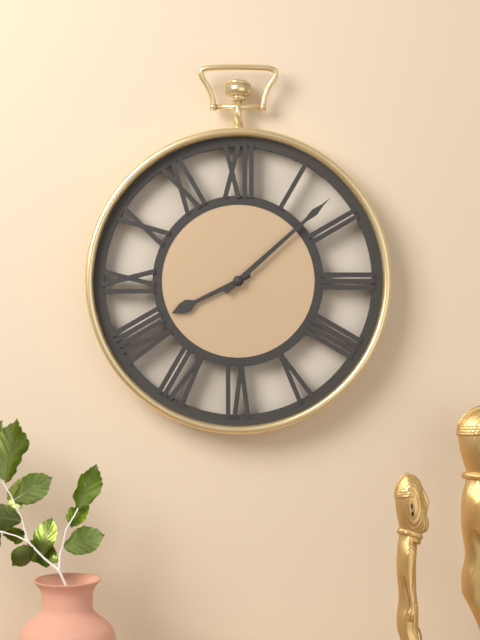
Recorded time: 8:08
